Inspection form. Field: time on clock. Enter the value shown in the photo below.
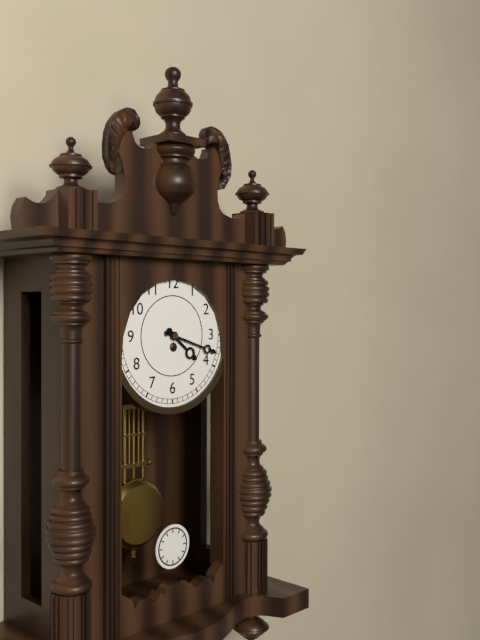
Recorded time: 4:18
